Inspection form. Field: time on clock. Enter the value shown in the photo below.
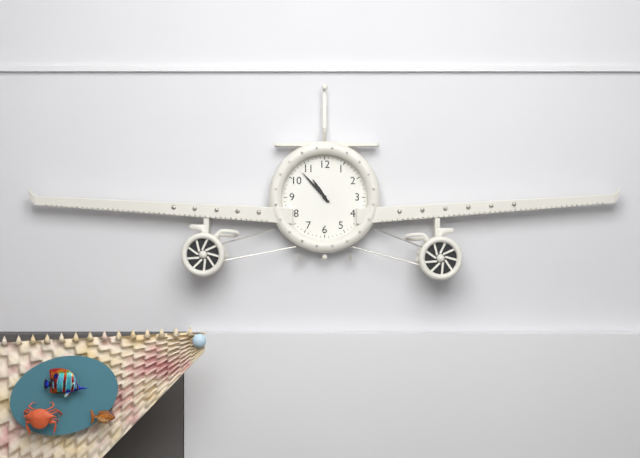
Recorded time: 10:53
